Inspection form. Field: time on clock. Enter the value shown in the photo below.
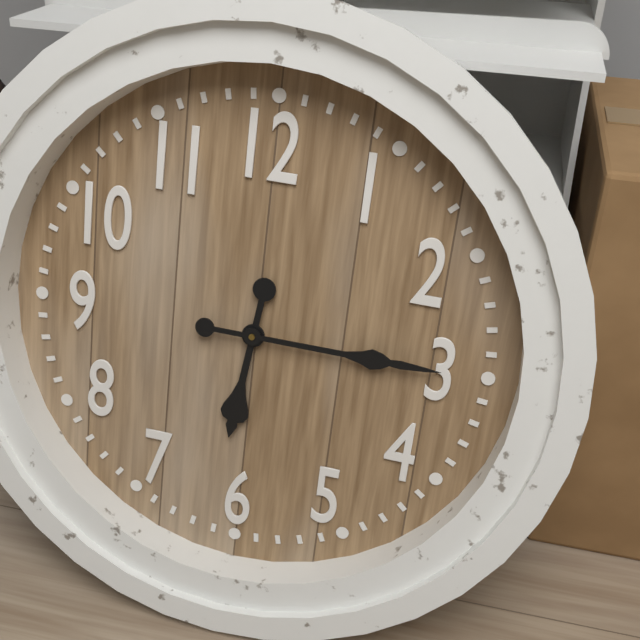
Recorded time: 6:15
